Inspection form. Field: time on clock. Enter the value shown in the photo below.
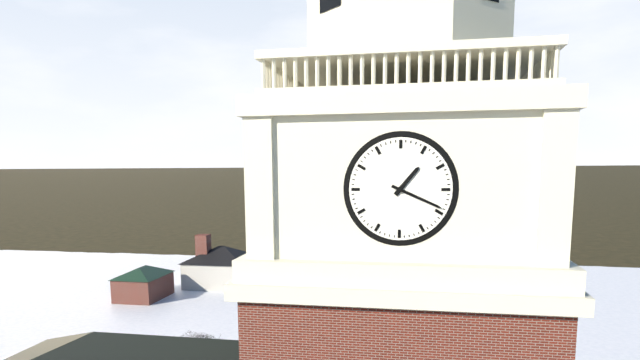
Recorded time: 1:19
